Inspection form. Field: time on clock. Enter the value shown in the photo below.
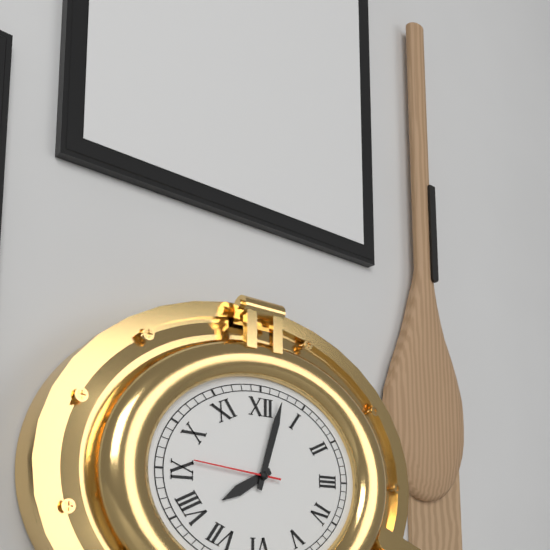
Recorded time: 8:03:46
